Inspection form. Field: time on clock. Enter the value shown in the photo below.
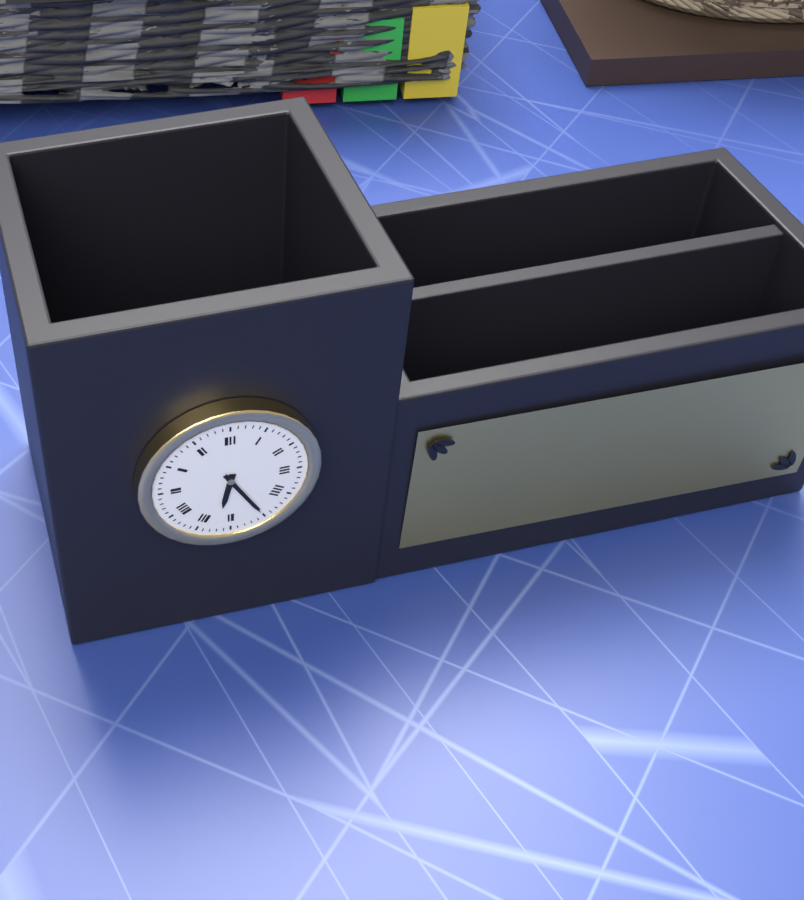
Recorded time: 6:25
